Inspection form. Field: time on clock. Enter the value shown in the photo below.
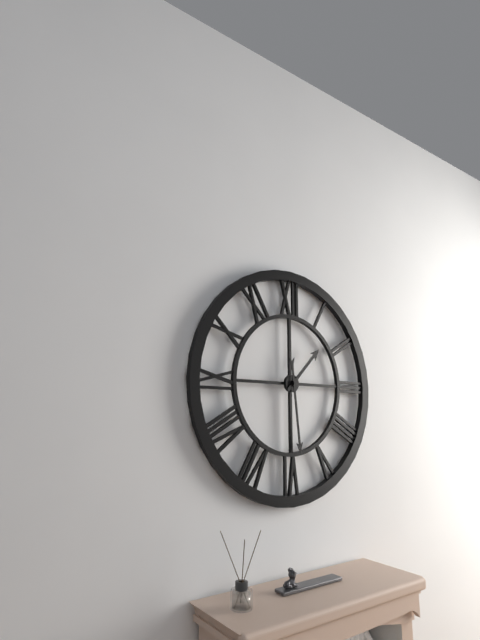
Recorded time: 1:29
